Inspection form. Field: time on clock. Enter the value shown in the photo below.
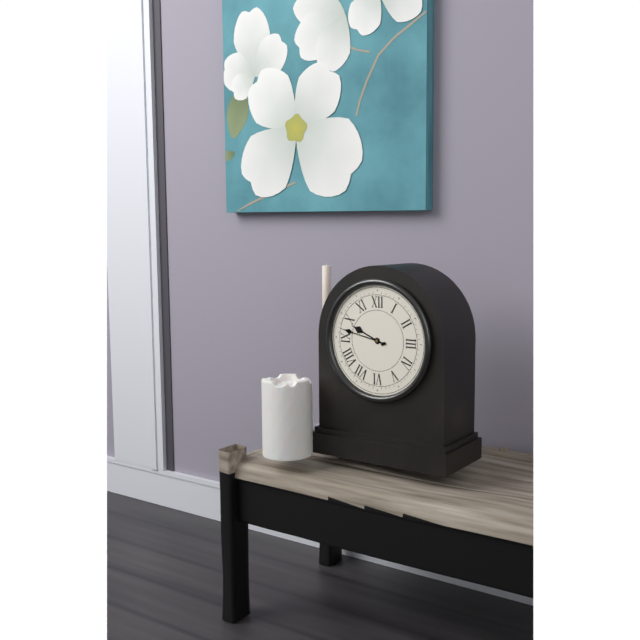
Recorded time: 9:47
